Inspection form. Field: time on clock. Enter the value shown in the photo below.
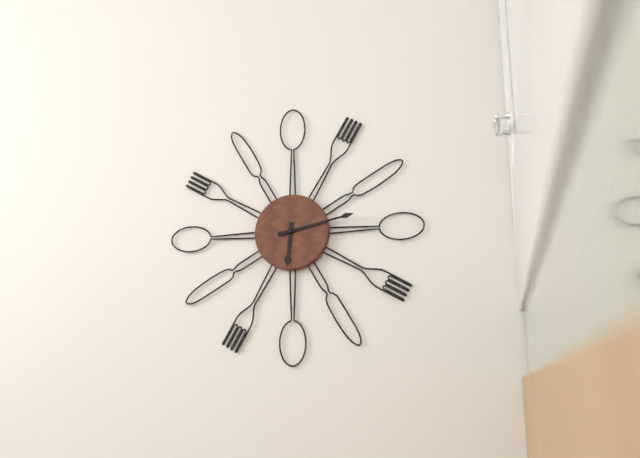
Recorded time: 6:13
